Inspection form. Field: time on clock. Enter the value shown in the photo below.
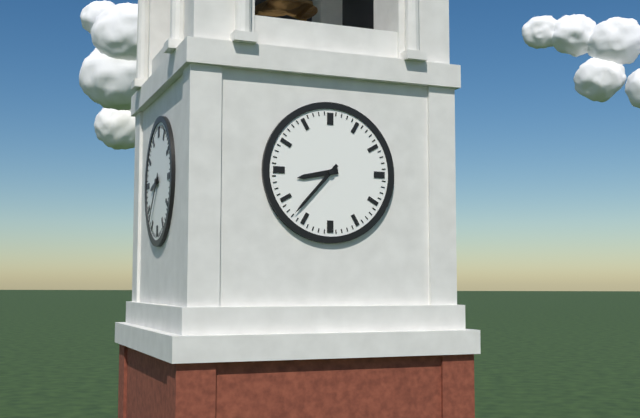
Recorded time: 8:37
